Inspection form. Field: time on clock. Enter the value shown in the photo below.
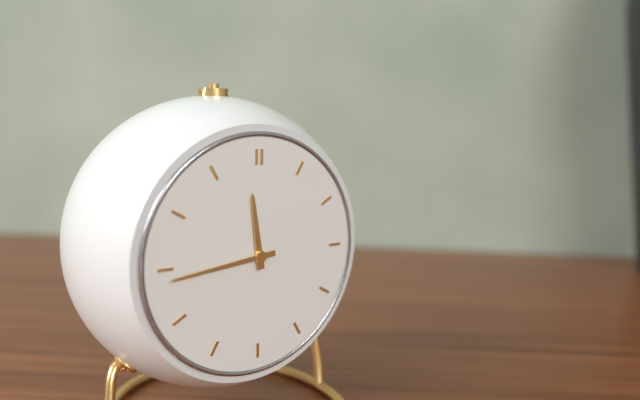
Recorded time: 11:44
